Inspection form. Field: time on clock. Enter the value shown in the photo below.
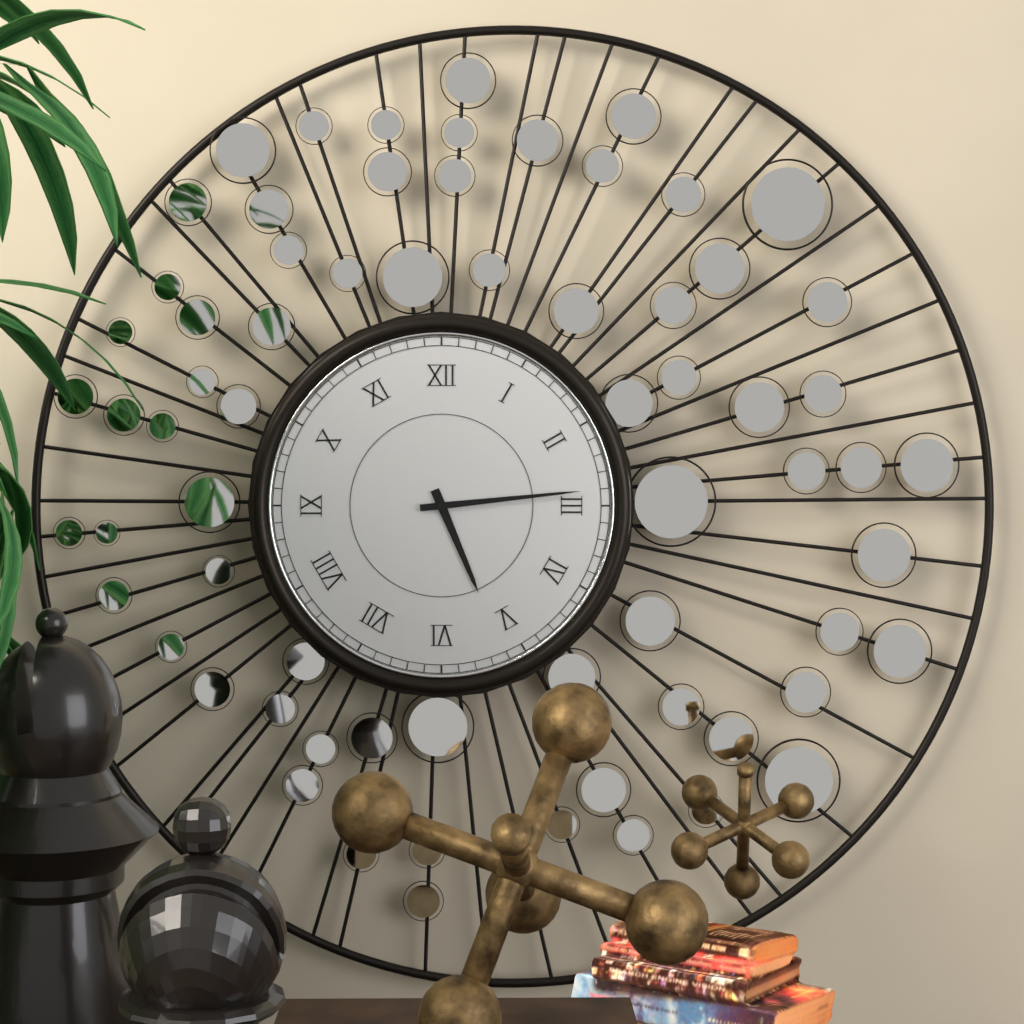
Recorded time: 5:14
